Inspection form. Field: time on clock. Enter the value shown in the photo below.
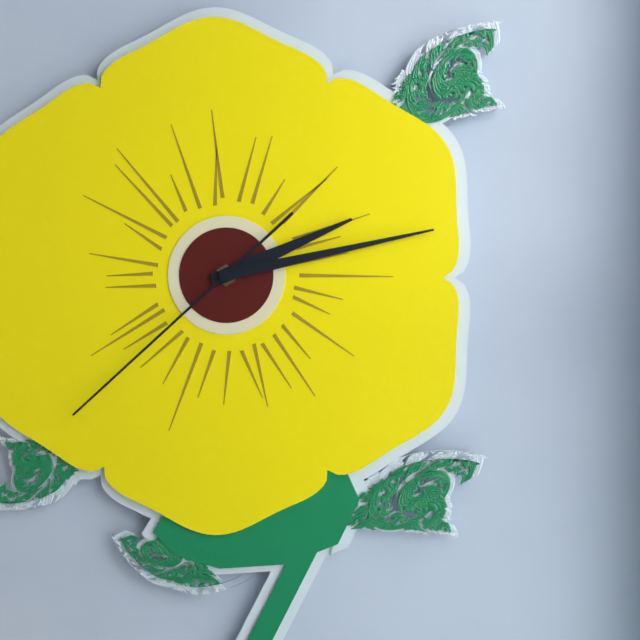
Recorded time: 2:13:38
